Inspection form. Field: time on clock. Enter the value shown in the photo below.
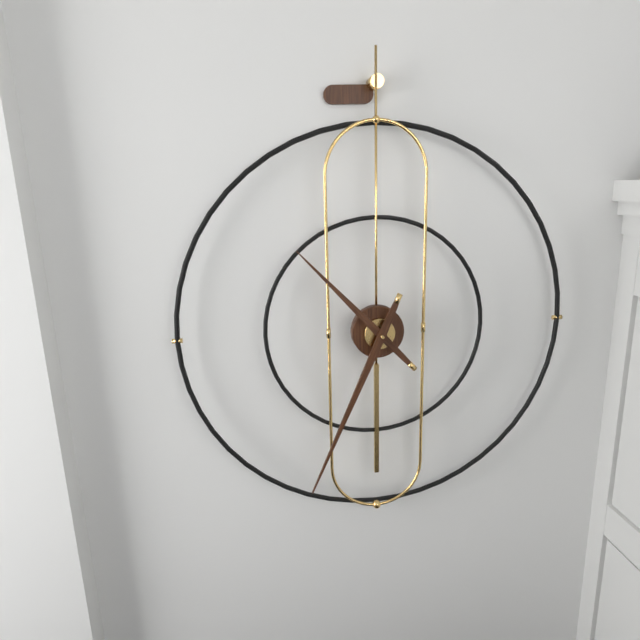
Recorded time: 10:34
